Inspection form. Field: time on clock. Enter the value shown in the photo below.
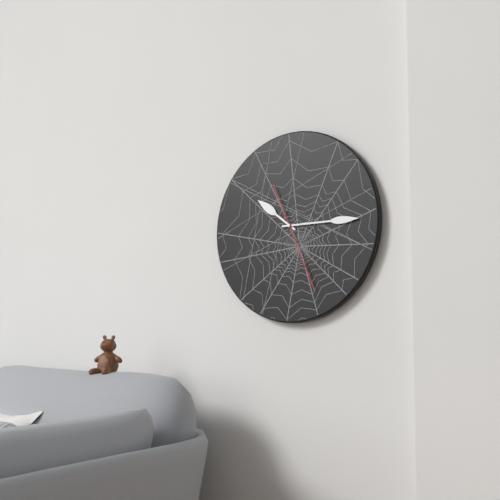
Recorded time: 10:15:26
